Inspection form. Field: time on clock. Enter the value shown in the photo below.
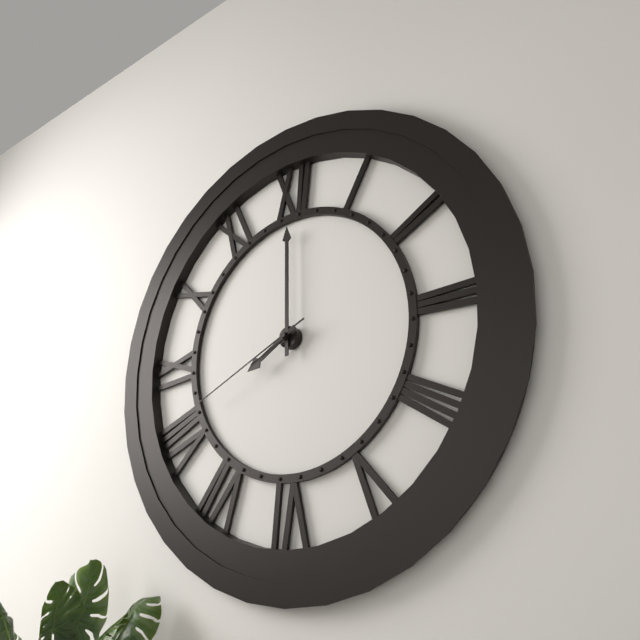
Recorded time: 8:00:41
